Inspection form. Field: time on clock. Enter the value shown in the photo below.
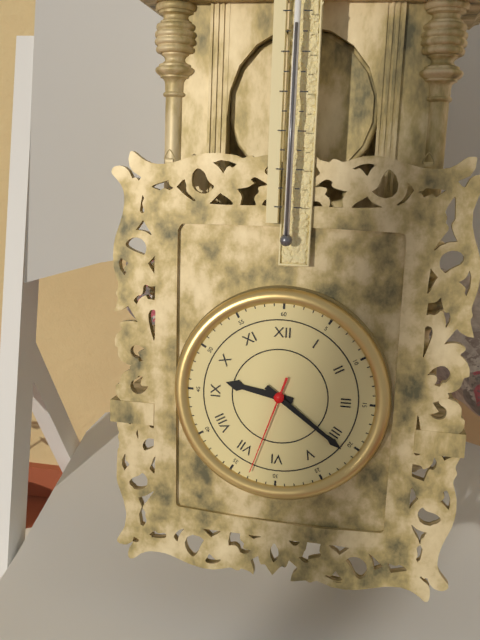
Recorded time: 9:21:33
